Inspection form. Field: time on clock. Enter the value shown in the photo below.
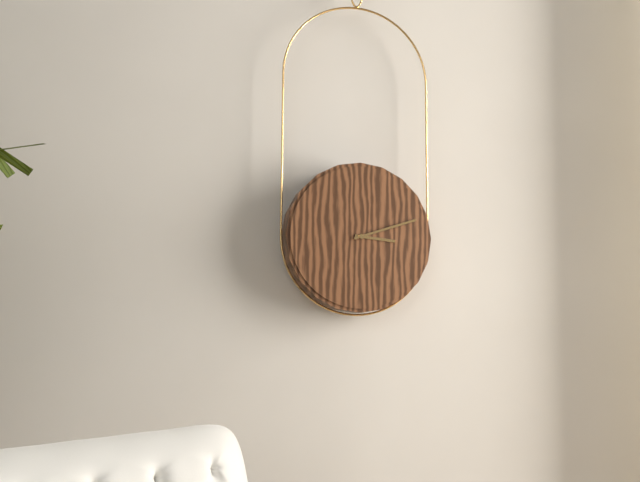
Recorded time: 3:12
